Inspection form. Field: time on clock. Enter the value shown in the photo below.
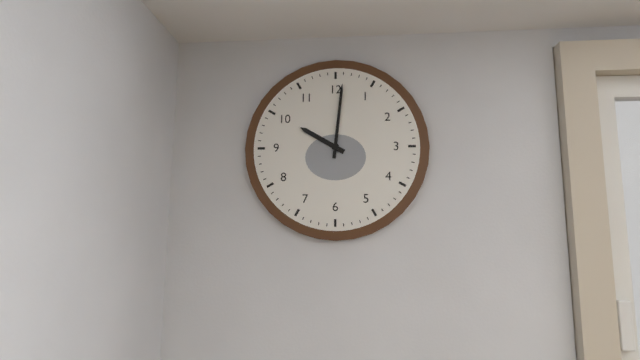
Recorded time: 10:01
